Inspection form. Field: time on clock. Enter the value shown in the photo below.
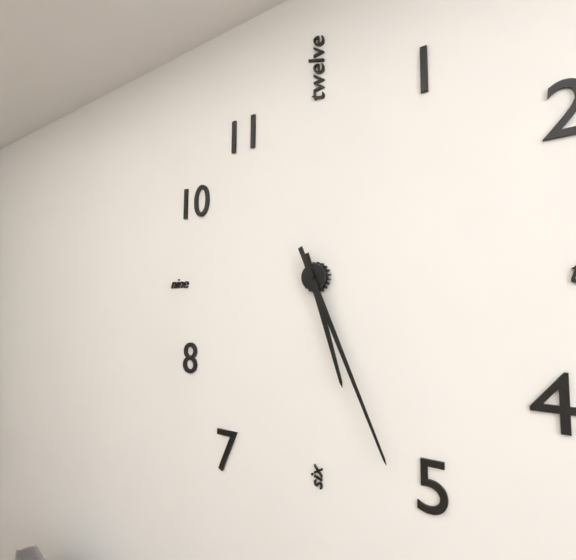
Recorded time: 5:26
